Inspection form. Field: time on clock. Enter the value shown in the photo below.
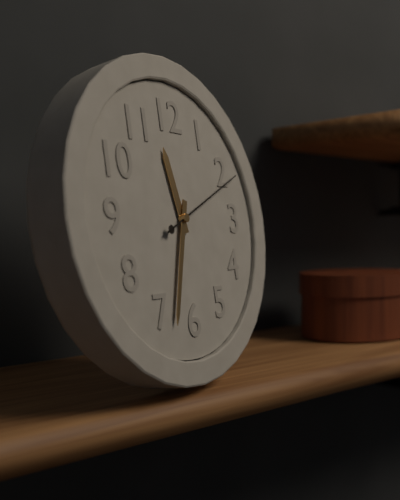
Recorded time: 11:33:11
